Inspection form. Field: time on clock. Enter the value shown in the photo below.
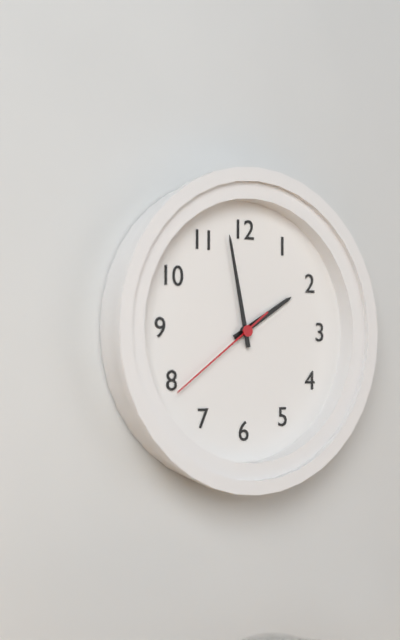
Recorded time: 1:58:39
